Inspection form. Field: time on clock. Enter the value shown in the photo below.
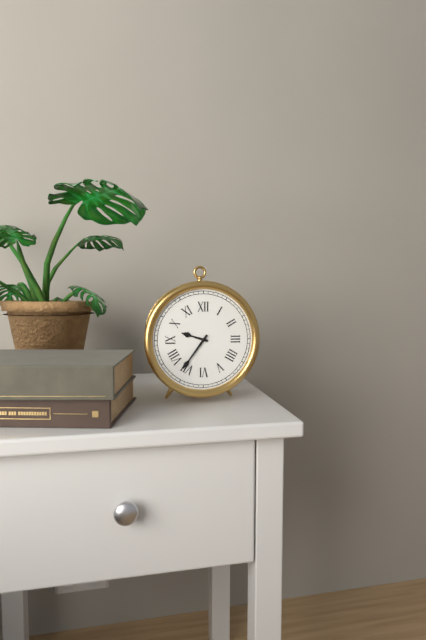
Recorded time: 9:36
